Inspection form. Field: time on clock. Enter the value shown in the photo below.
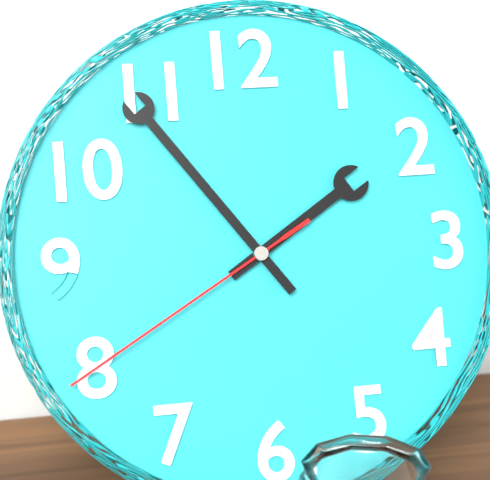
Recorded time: 1:54:40
